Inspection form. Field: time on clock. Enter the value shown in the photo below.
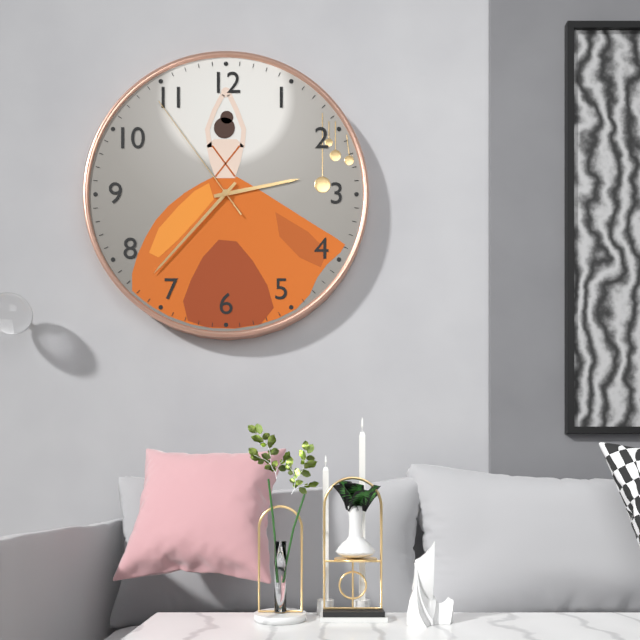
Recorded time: 2:37:54
